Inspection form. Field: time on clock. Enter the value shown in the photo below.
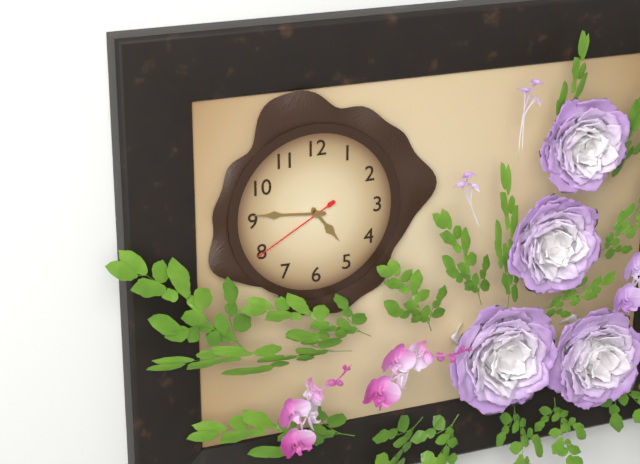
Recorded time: 4:46:40
